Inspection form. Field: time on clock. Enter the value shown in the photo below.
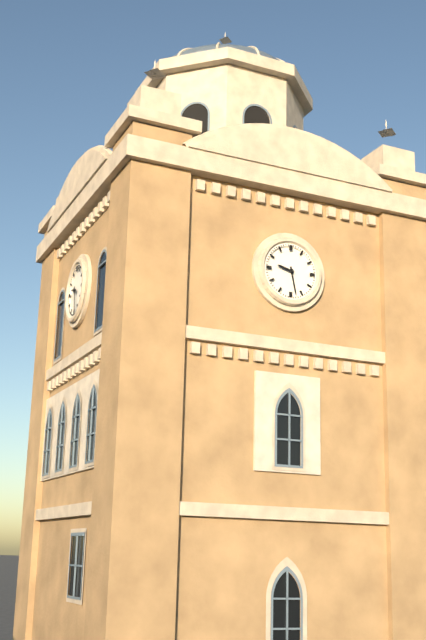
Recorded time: 9:28
